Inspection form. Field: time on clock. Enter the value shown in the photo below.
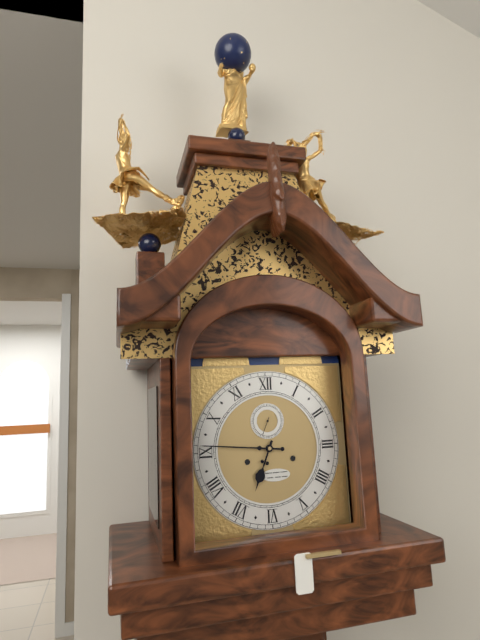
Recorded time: 6:46
